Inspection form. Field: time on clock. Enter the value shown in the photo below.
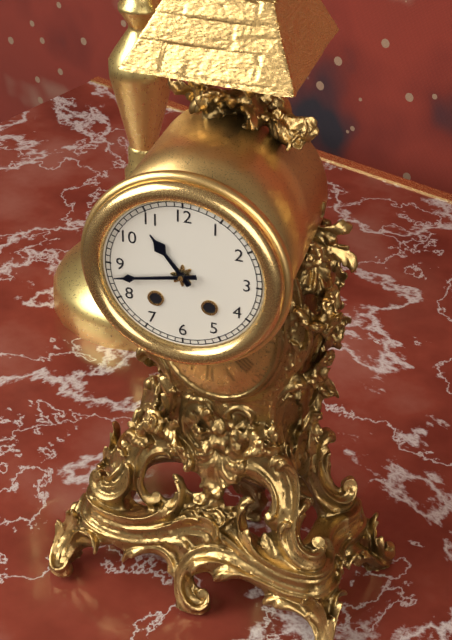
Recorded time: 10:43
